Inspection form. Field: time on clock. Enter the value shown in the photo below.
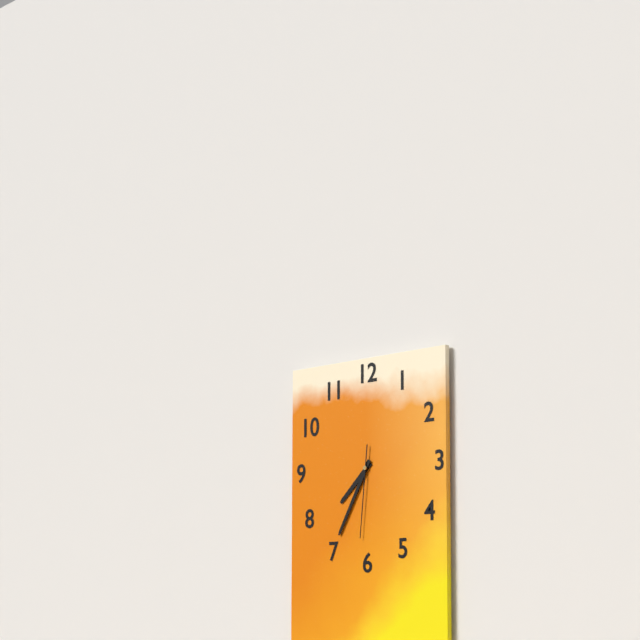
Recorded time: 7:35:31
